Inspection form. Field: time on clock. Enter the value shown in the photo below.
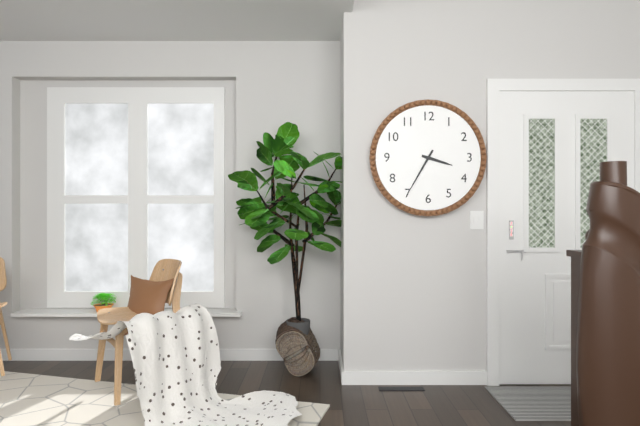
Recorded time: 3:35
